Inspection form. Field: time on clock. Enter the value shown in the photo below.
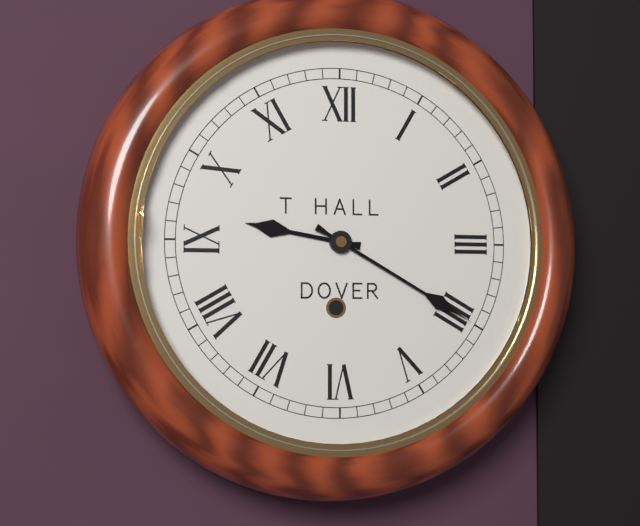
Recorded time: 9:20
